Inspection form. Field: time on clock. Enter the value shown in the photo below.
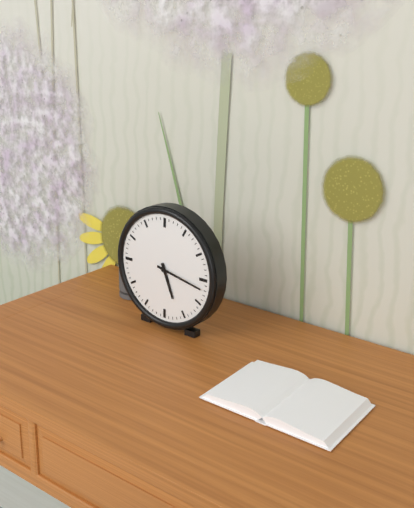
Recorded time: 5:17
